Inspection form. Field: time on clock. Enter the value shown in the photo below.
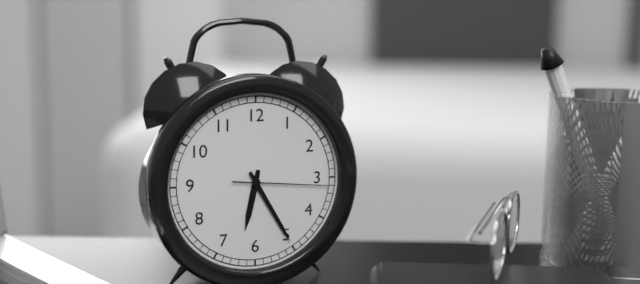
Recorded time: 6:25:16
